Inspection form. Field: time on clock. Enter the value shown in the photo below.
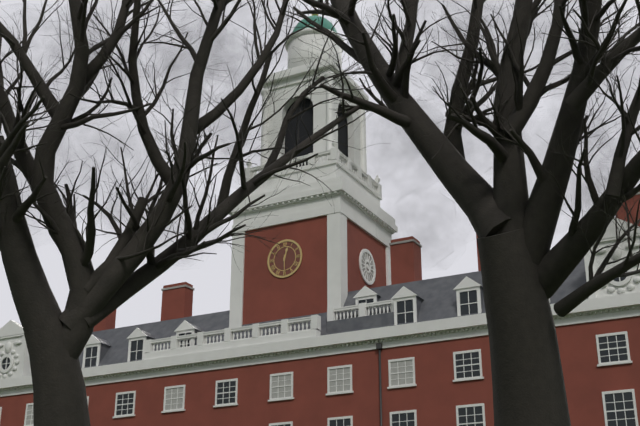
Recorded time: 12:30
